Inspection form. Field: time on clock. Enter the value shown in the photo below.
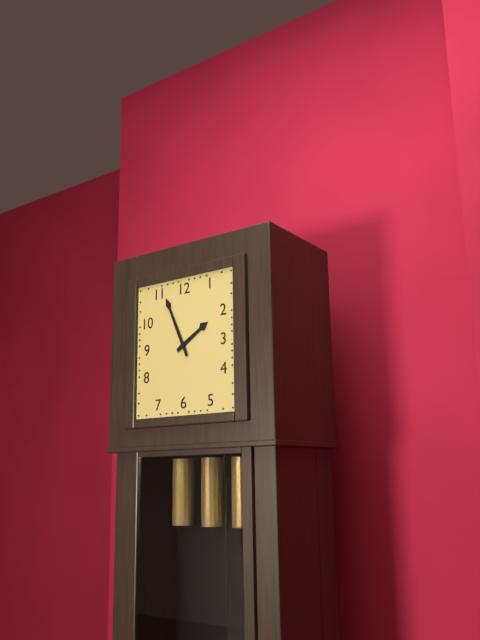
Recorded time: 1:56
